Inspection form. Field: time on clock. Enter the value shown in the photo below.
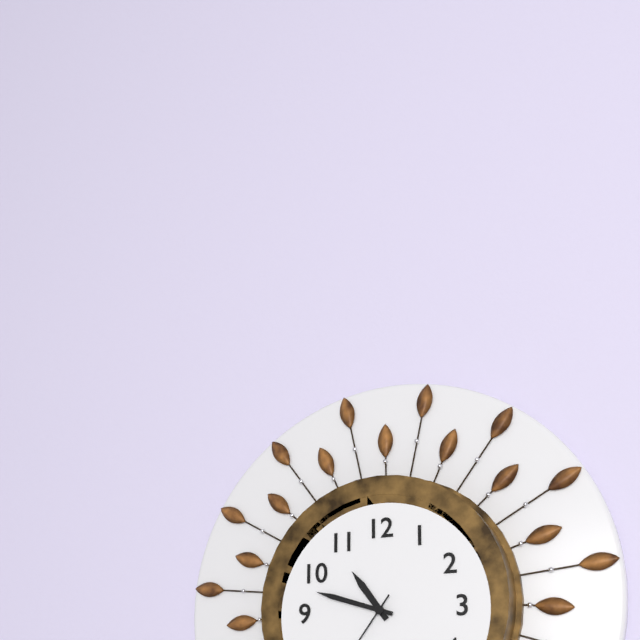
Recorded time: 10:48
